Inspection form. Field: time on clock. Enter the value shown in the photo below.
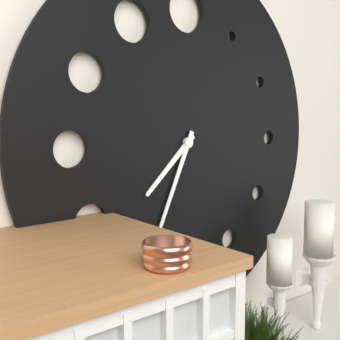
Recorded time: 7:34
